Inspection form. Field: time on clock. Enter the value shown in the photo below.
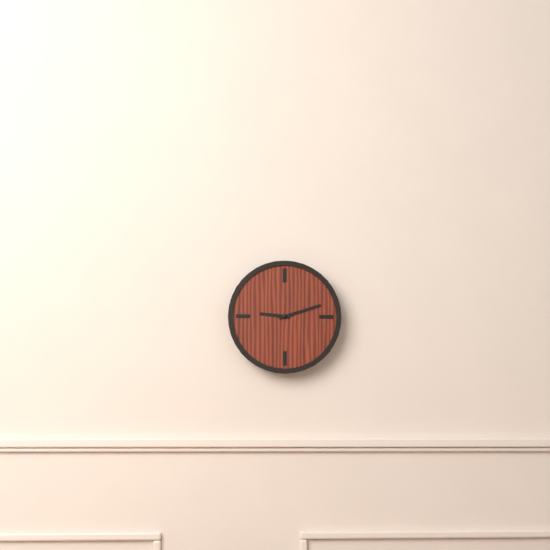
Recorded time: 9:12
